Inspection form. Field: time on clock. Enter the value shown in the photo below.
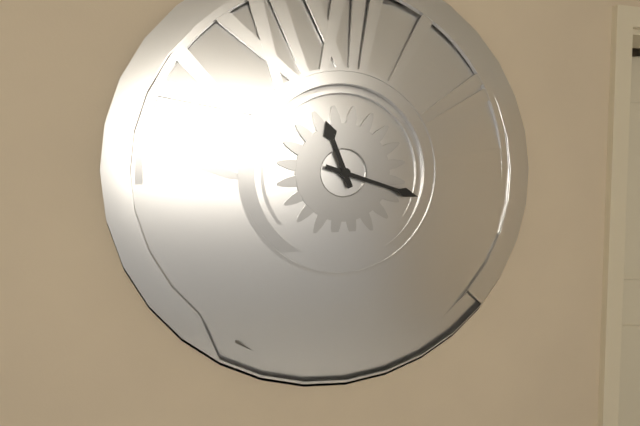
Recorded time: 11:18
